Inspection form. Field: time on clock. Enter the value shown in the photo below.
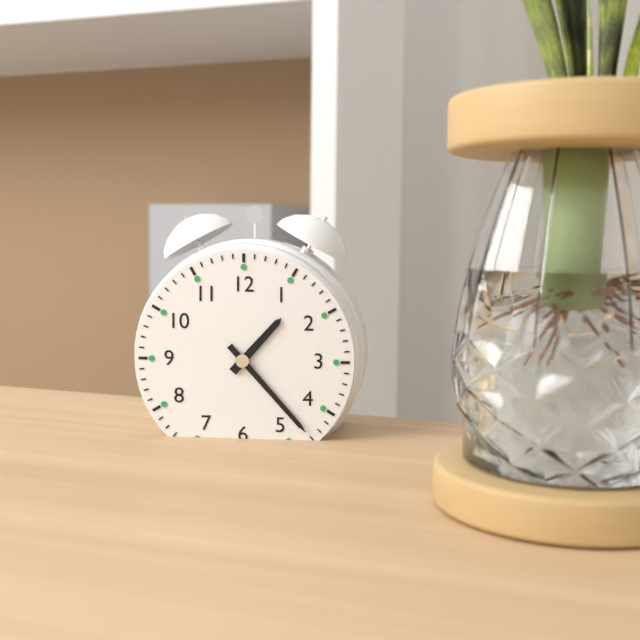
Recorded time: 1:23
